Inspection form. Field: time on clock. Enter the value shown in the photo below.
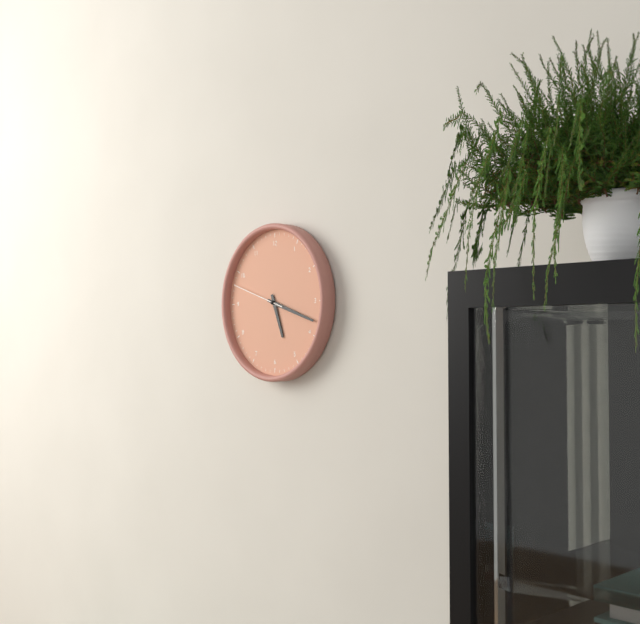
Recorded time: 5:18:48
